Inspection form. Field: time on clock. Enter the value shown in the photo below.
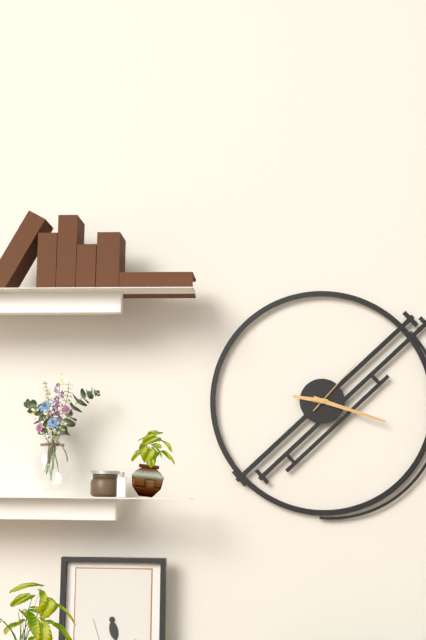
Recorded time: 9:18:07
